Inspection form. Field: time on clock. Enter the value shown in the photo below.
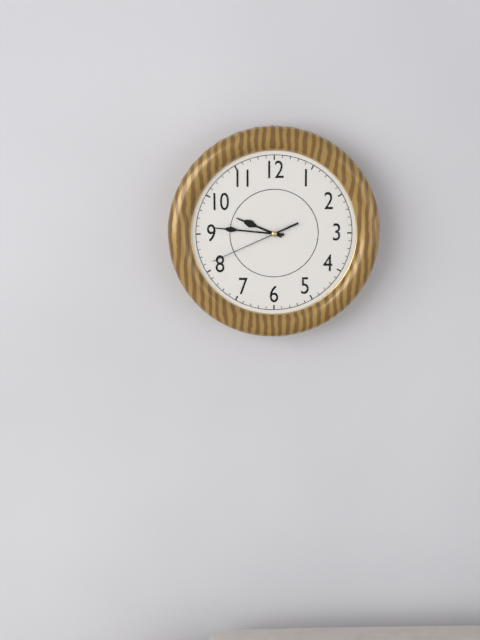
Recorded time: 9:46:41
